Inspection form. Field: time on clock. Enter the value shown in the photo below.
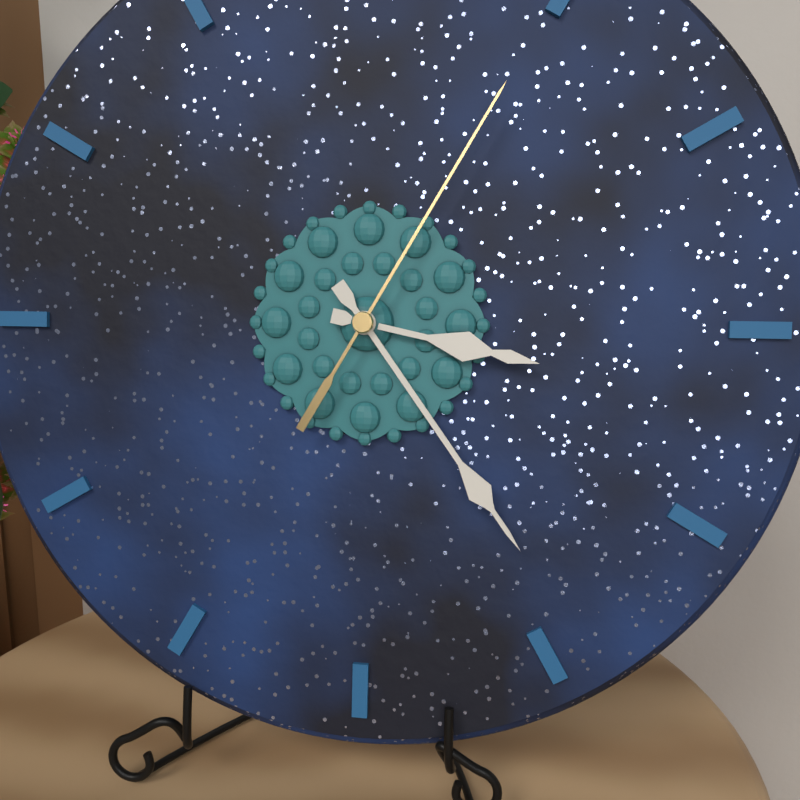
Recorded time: 3:24:05
